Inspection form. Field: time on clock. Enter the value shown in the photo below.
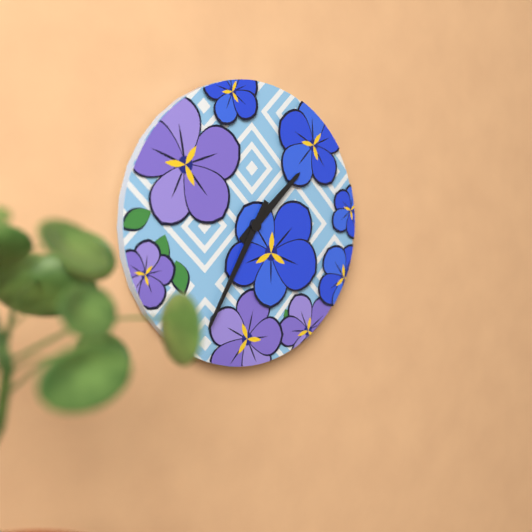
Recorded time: 1:35
